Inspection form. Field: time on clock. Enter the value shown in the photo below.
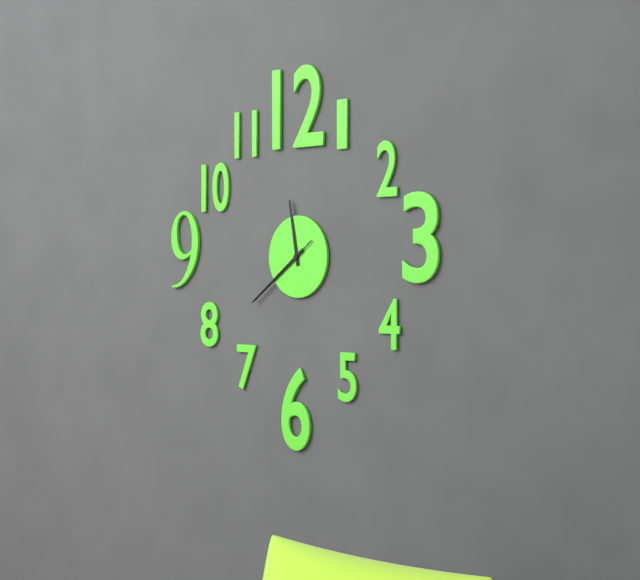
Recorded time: 11:39:39
